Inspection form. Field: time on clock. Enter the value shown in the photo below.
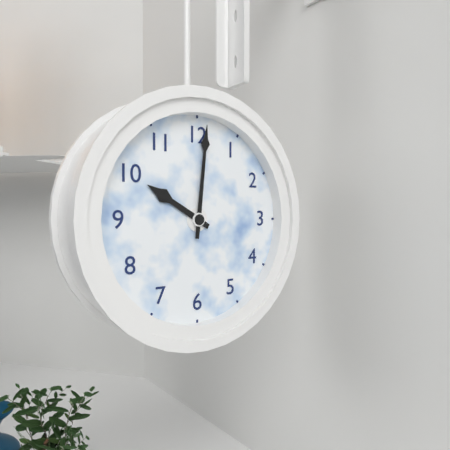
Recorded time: 10:01
